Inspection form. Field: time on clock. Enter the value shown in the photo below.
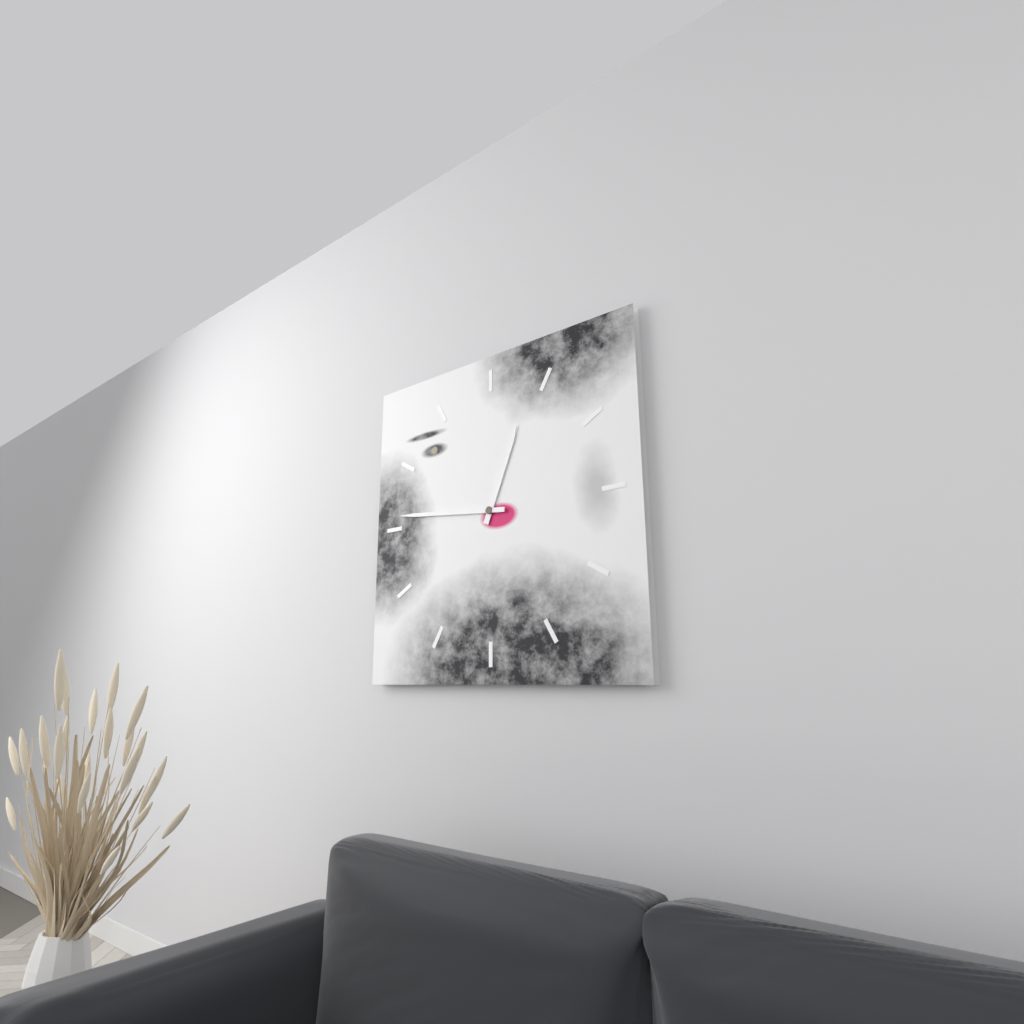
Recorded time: 12:46
